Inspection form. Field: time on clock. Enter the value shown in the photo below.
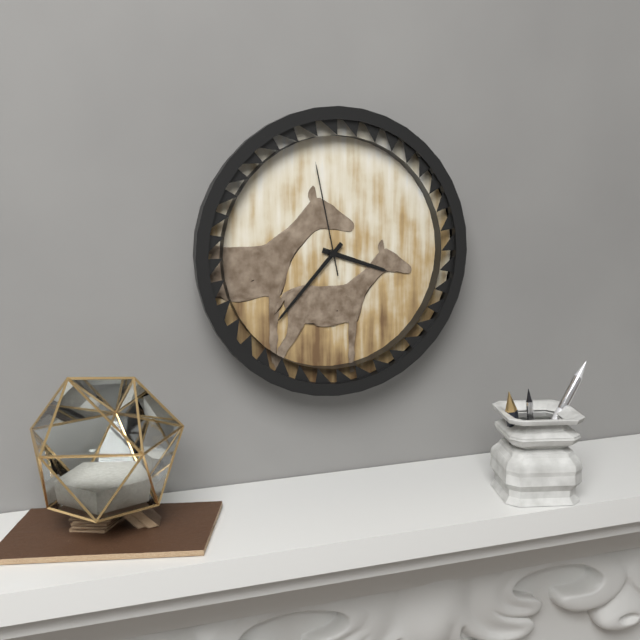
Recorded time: 3:37:58
